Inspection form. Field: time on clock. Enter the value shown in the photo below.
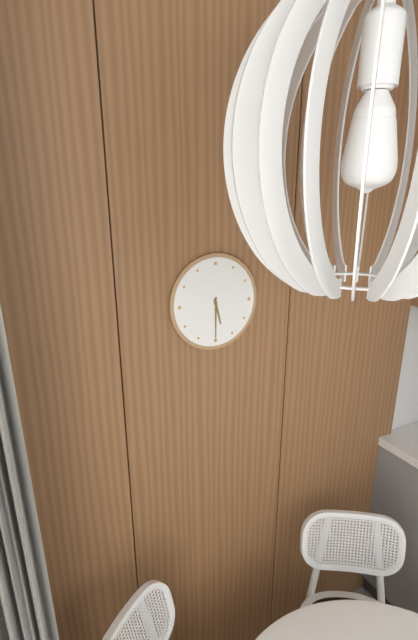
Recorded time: 5:30
